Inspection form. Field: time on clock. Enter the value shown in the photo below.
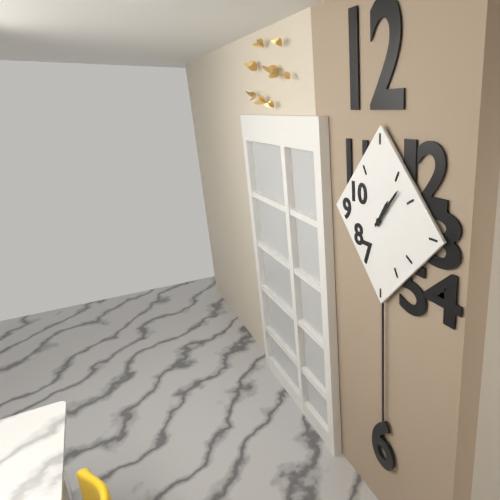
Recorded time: 1:07
